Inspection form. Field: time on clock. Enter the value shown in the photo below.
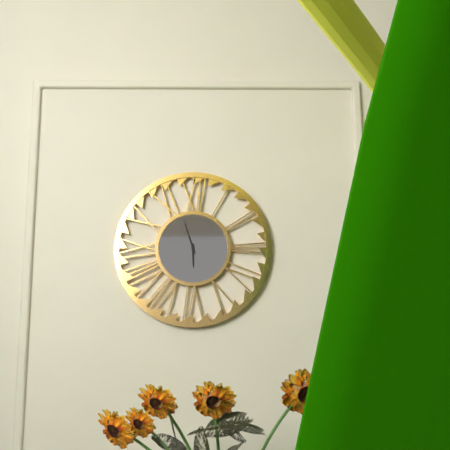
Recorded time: 5:57
